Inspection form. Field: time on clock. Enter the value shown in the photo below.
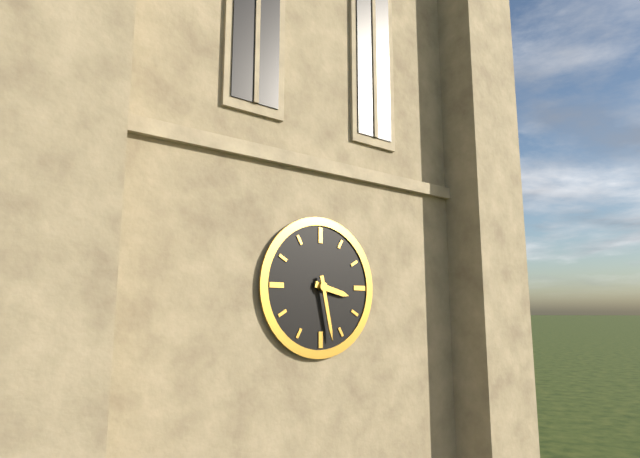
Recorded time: 3:28
